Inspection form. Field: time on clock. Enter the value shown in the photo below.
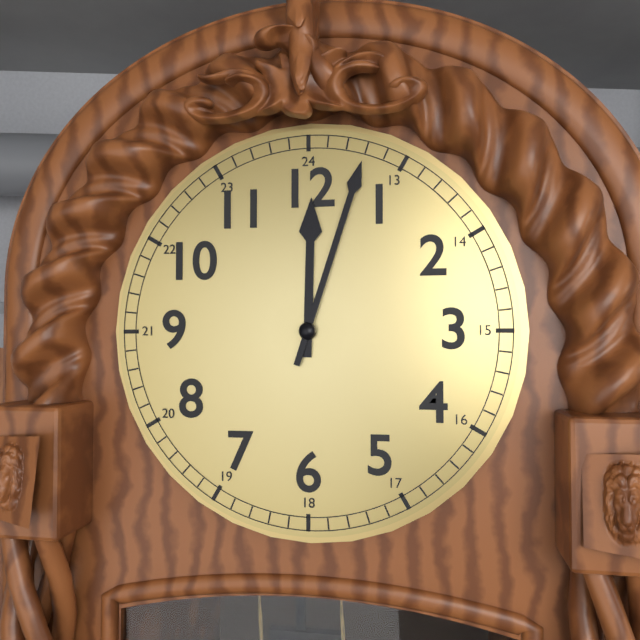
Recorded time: 12:03
